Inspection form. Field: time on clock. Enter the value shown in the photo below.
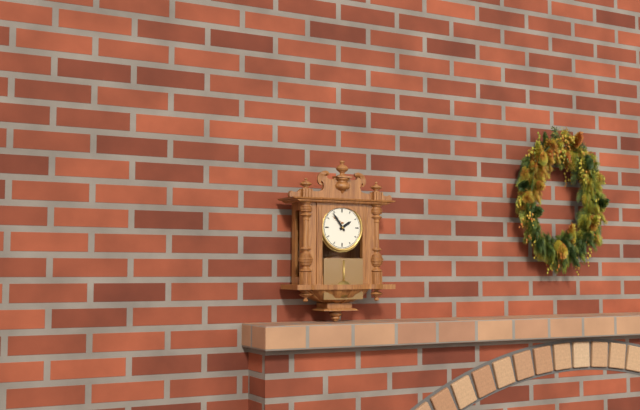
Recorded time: 1:54
